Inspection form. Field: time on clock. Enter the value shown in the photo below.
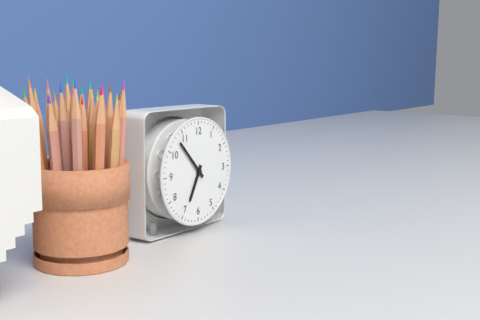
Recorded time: 6:53
